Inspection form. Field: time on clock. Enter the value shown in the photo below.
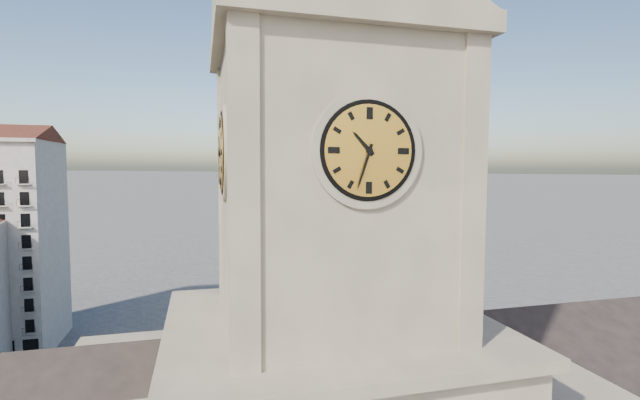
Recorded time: 10:33
